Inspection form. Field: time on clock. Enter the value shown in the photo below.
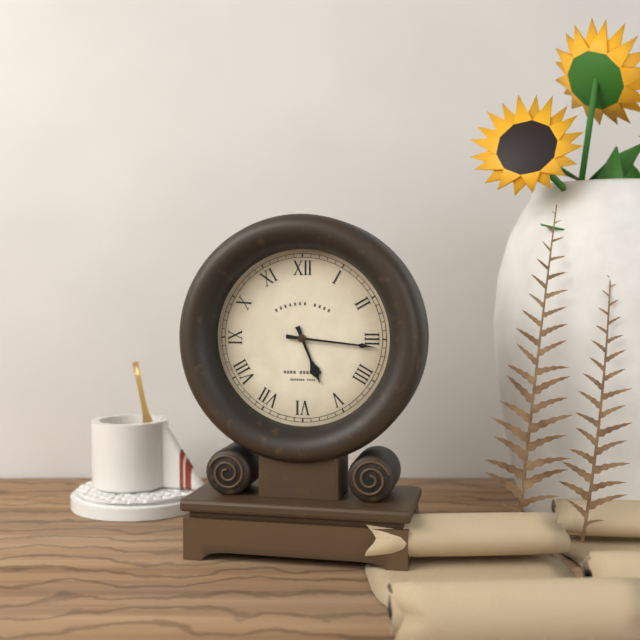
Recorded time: 5:16
